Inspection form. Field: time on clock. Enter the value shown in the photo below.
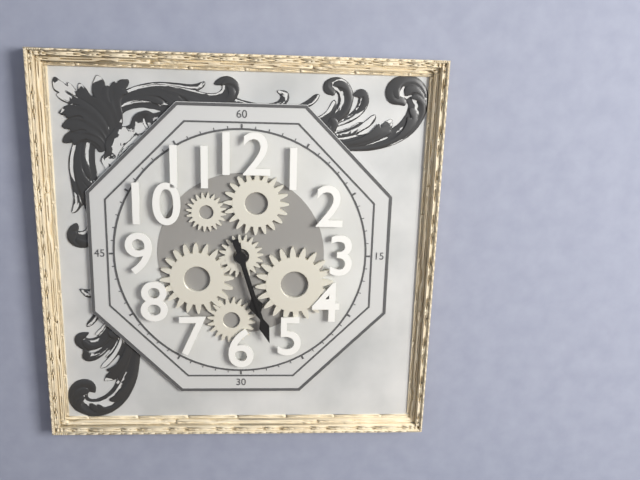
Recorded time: 5:27
